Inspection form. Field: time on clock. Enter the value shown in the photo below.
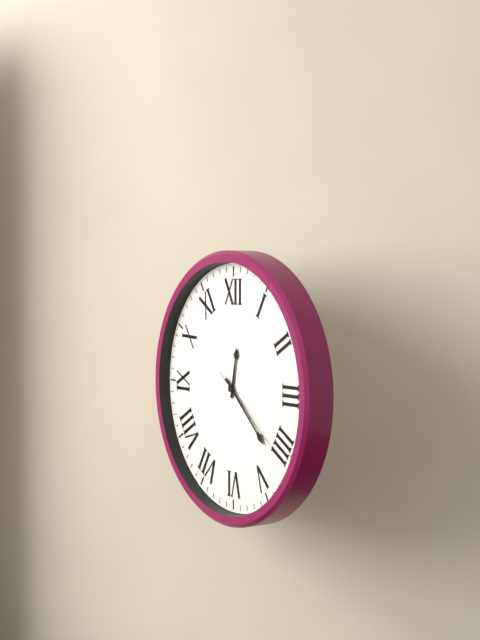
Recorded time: 12:22:21
